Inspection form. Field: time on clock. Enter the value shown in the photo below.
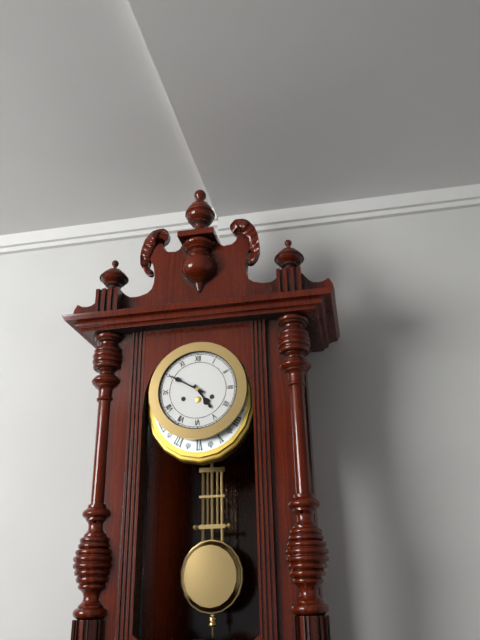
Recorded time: 4:50
